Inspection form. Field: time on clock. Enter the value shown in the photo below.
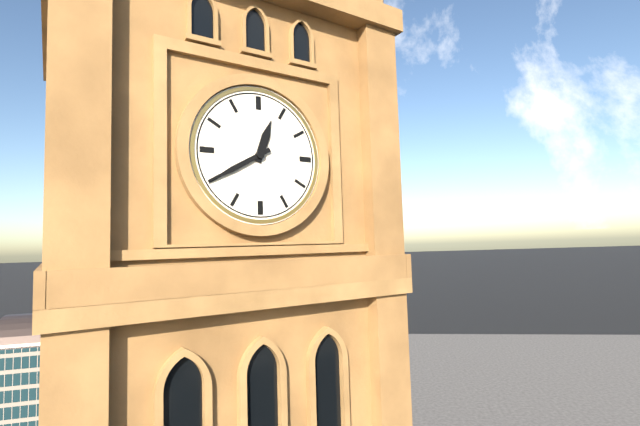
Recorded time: 12:40
